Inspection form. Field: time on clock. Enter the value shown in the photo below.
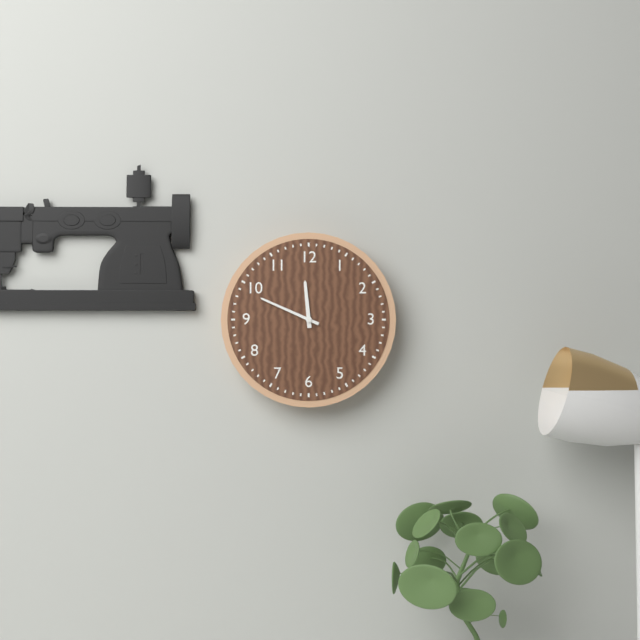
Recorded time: 11:49
